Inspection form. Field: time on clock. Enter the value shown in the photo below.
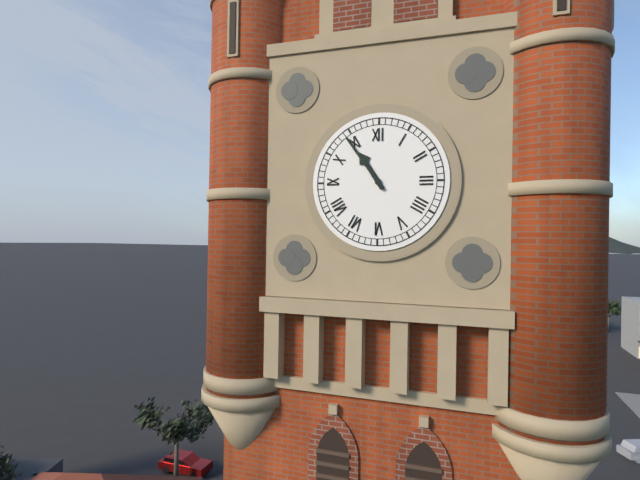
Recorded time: 10:54
